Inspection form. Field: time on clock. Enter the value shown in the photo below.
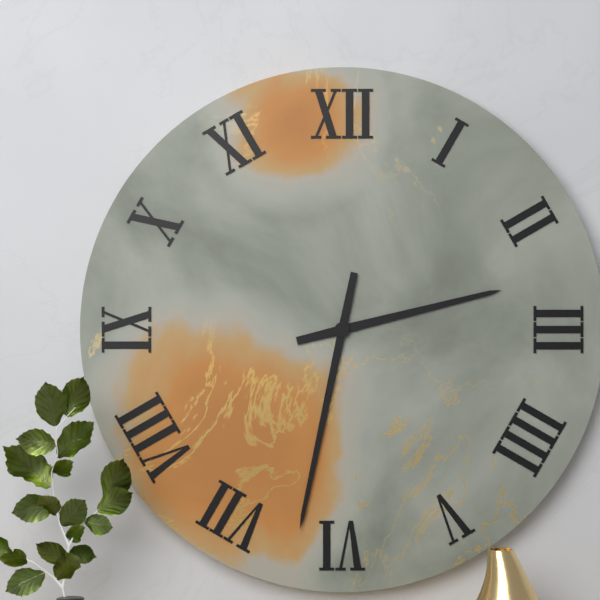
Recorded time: 2:32
